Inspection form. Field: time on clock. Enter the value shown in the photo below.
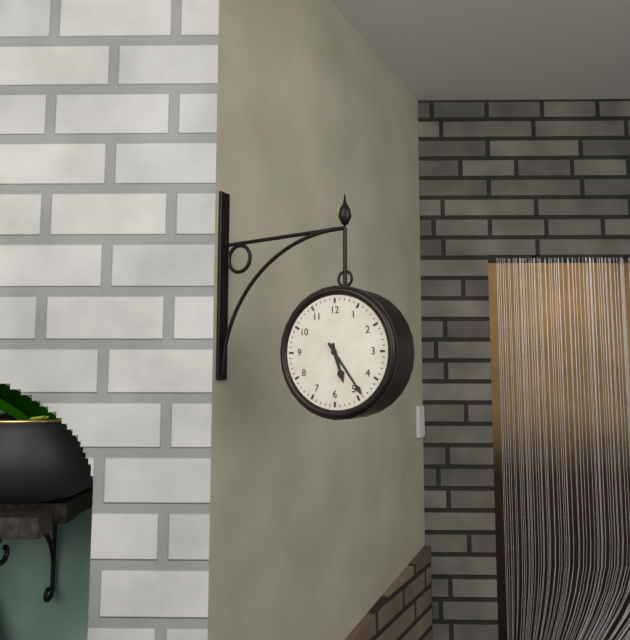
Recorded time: 5:24
